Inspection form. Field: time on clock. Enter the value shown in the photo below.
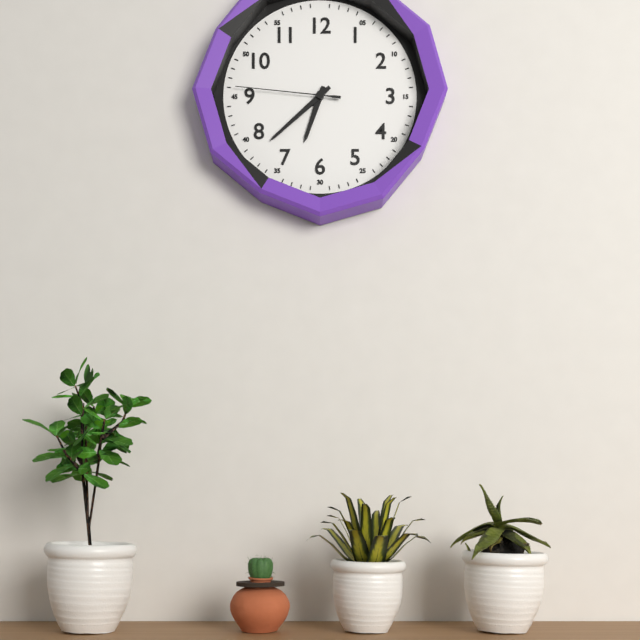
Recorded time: 6:38:46
